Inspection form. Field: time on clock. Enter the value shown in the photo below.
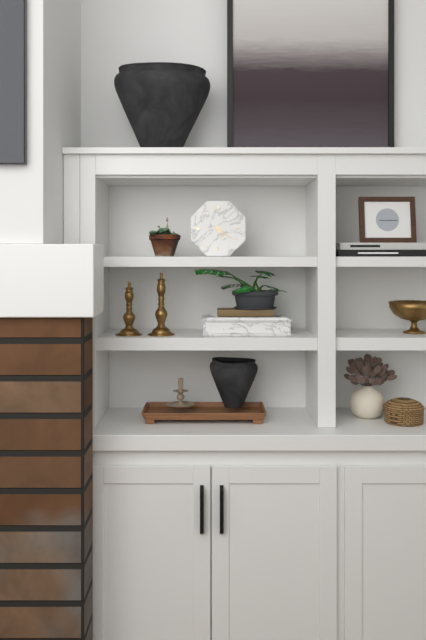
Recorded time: 5:21
